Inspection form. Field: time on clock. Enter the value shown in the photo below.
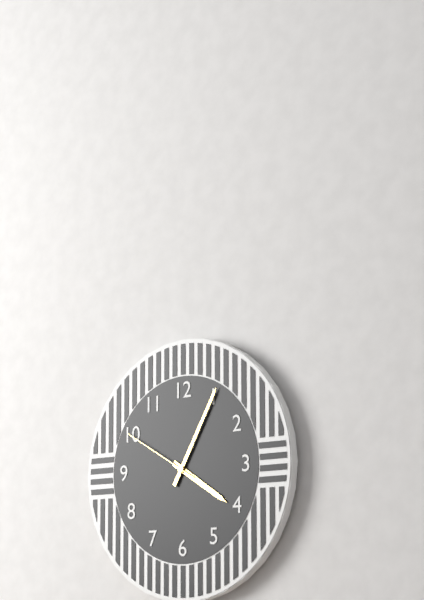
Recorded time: 4:05:50
